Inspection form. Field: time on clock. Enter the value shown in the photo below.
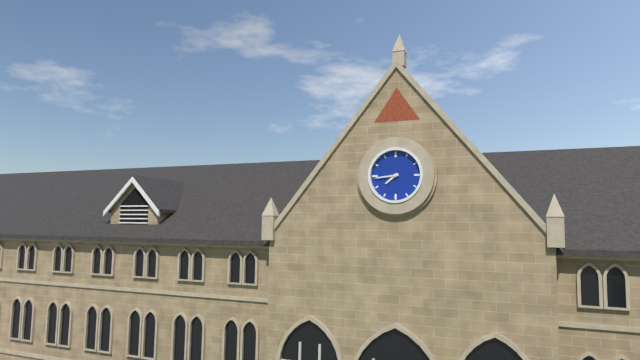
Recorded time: 7:44
